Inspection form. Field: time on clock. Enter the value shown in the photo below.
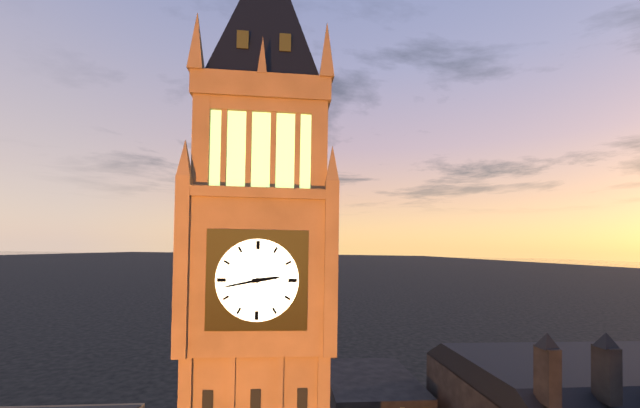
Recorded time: 2:43
